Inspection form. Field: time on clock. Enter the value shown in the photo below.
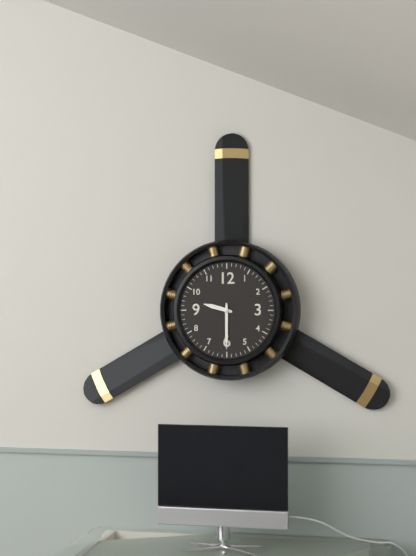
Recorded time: 9:30
